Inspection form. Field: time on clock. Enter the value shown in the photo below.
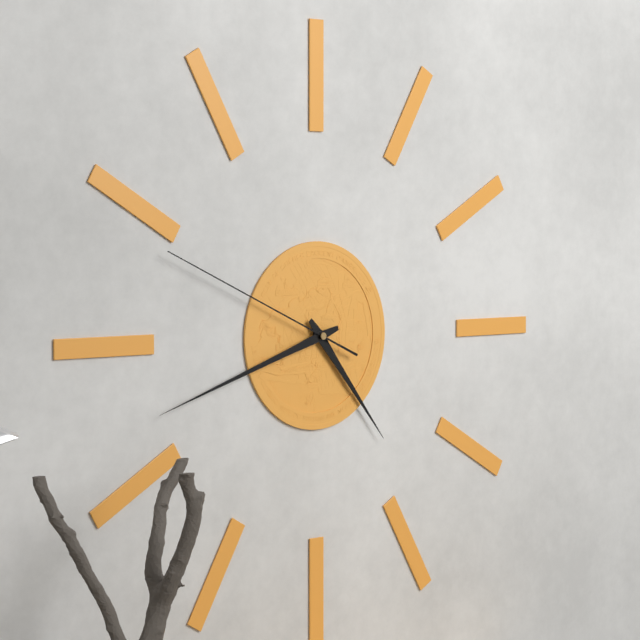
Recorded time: 4:42:49
